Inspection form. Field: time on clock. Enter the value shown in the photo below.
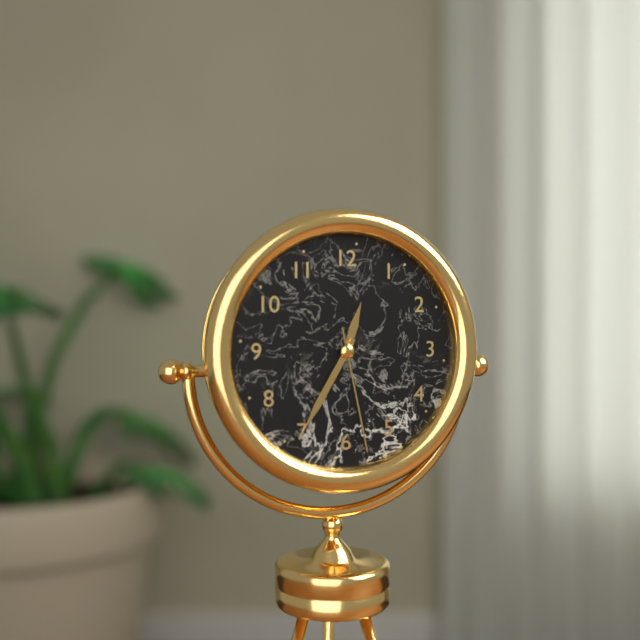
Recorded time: 12:35:28
